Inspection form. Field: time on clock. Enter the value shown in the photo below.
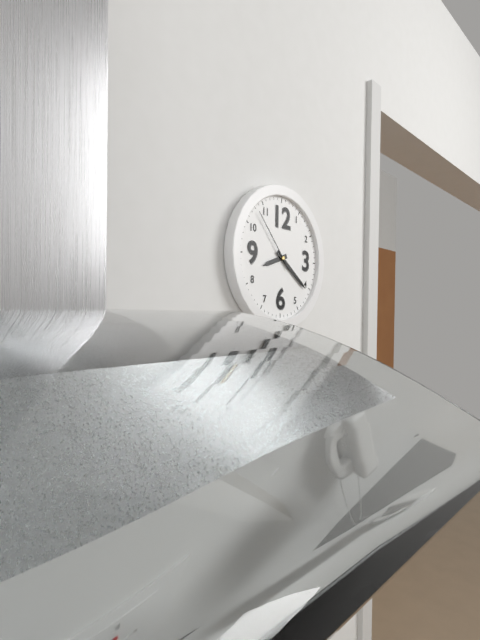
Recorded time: 8:21:53
